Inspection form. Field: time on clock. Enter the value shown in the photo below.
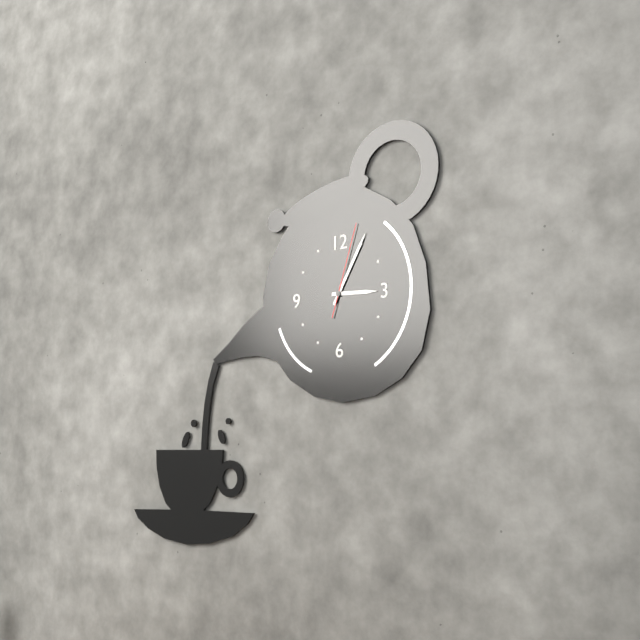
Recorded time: 3:05:03
